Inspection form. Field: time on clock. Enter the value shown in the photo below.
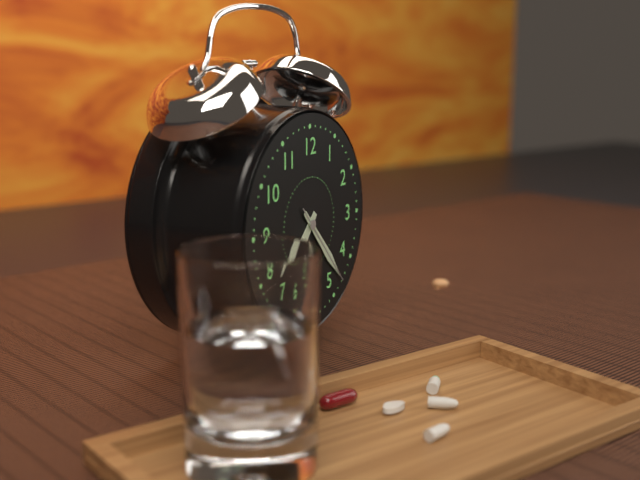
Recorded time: 7:23:23
